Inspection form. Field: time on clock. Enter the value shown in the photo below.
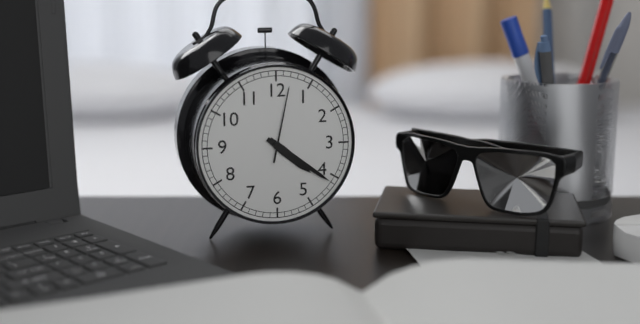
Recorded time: 4:21:02
